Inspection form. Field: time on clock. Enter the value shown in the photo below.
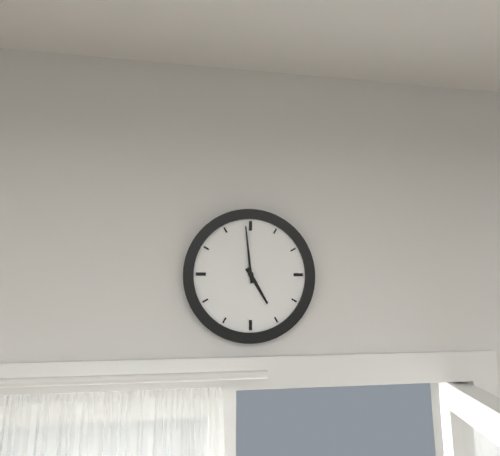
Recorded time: 4:59
